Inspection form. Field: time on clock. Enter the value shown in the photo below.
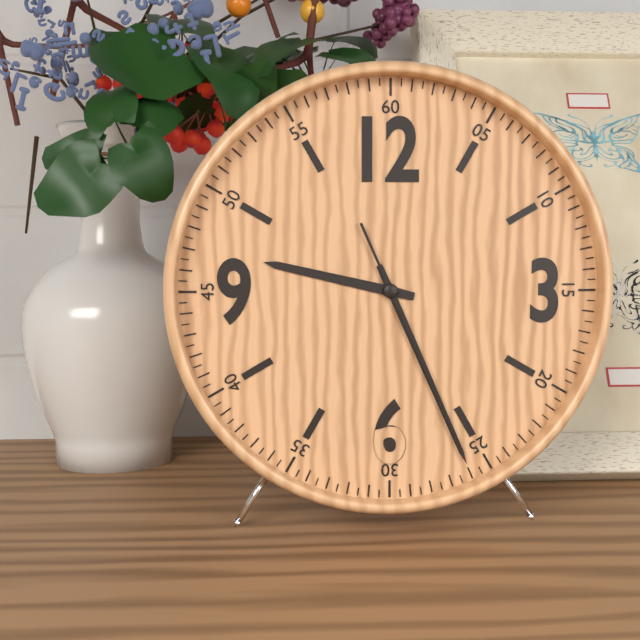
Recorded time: 9:26:26
